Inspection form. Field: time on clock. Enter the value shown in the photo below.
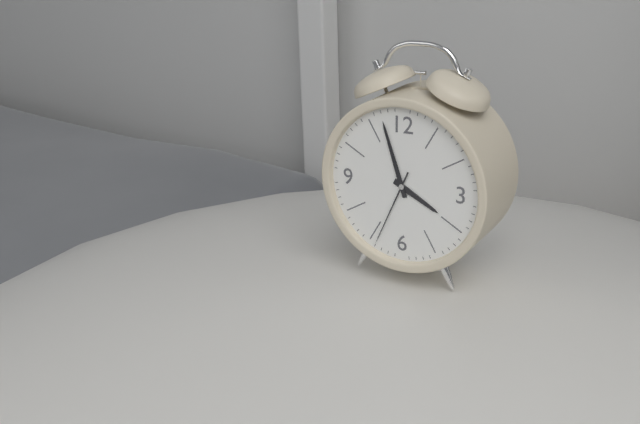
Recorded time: 3:57:34
